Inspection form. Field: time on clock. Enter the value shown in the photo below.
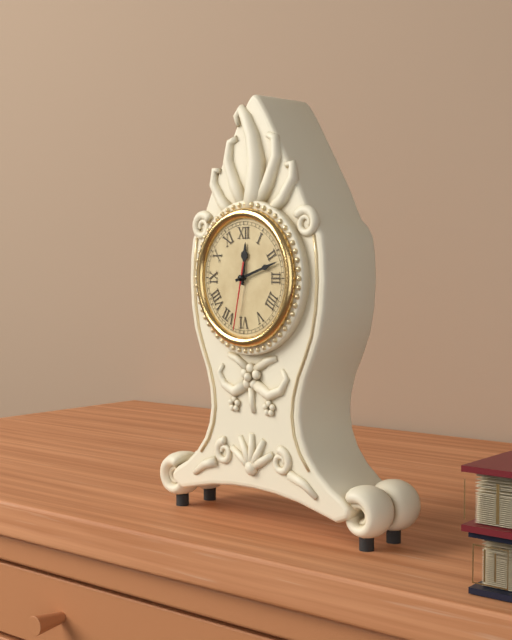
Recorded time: 12:12:32
